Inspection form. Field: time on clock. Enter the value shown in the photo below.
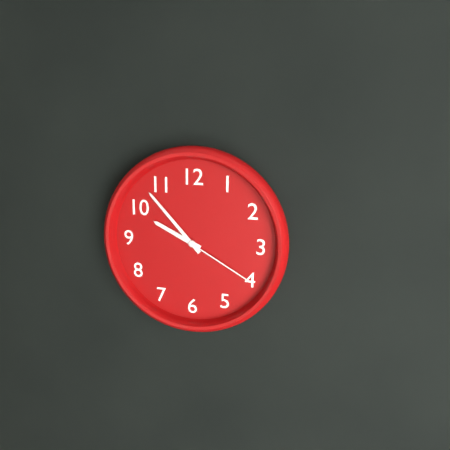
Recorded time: 9:53:20
